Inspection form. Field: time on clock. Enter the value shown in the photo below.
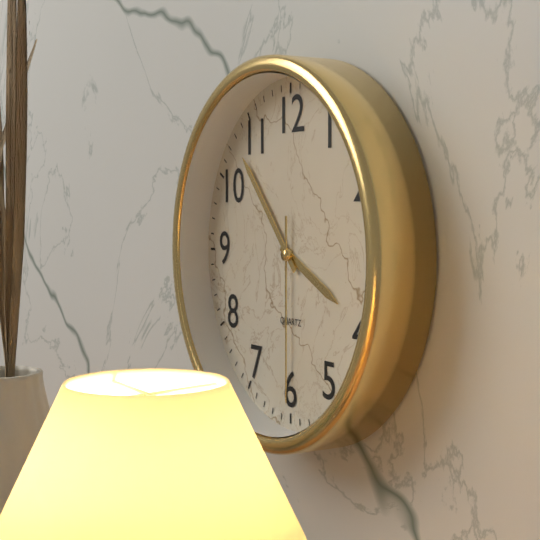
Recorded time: 3:53:30
